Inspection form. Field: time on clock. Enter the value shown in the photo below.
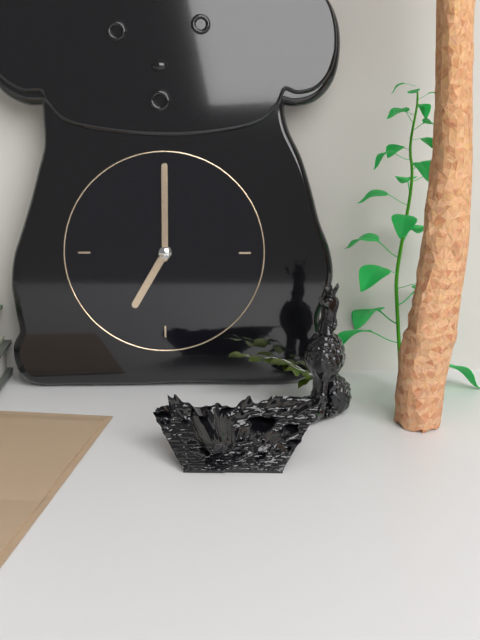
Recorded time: 7:00
